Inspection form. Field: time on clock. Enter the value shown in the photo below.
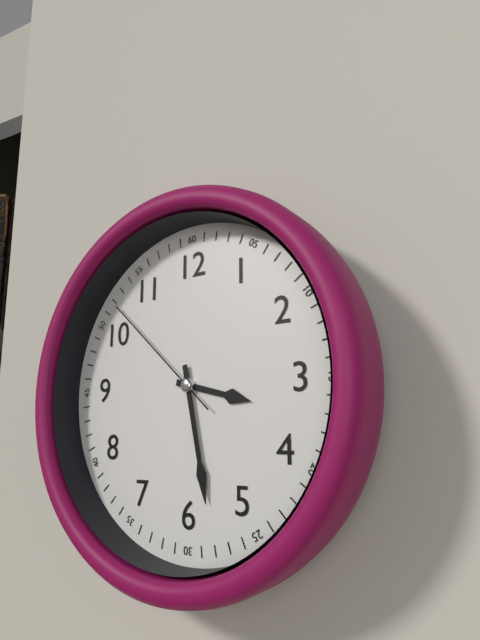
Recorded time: 3:28:52
